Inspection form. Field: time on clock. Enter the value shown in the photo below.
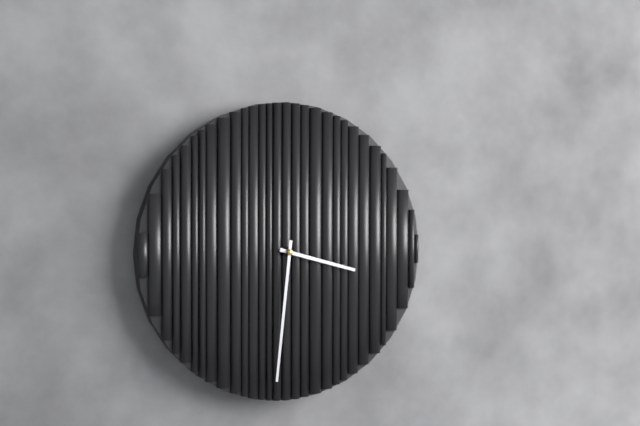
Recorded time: 3:31
